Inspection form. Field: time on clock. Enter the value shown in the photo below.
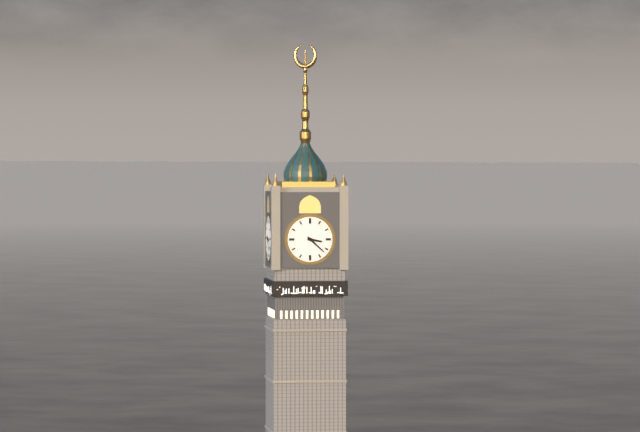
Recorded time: 3:22
